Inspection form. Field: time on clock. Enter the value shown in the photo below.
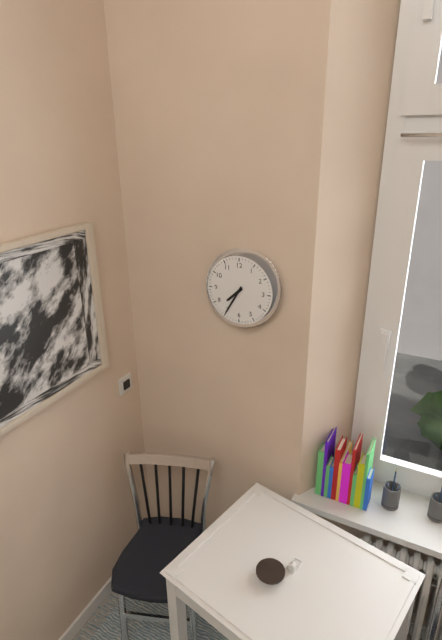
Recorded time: 7:35
